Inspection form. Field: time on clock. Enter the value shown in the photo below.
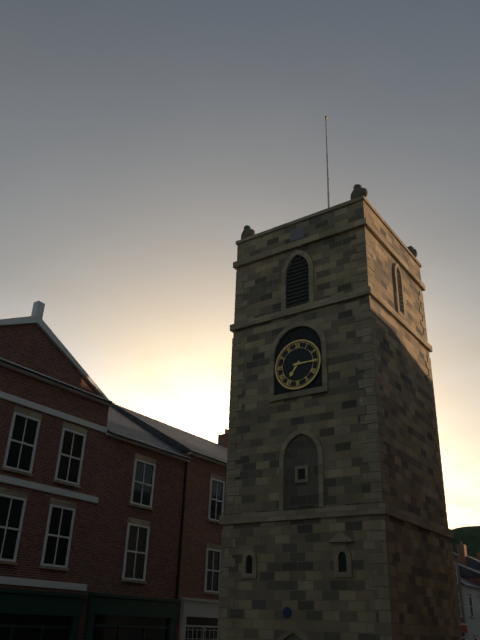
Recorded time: 7:15
